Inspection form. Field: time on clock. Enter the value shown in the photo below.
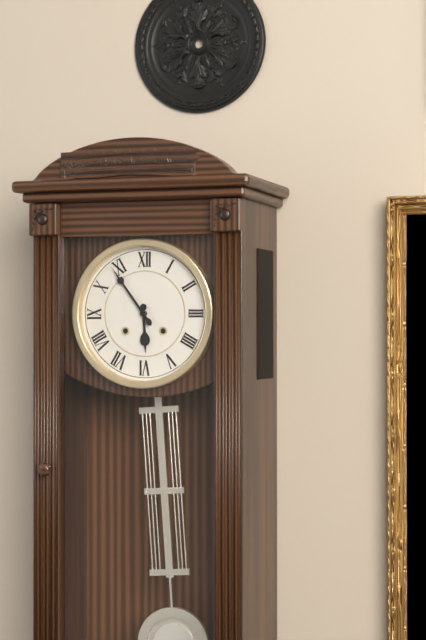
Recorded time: 5:54
